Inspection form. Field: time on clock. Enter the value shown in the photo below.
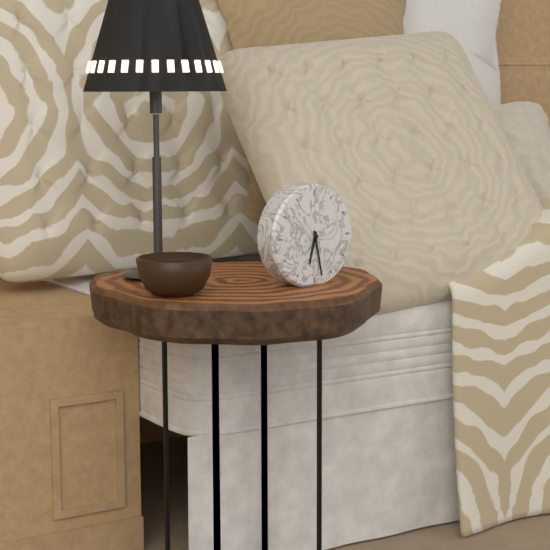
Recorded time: 6:28
